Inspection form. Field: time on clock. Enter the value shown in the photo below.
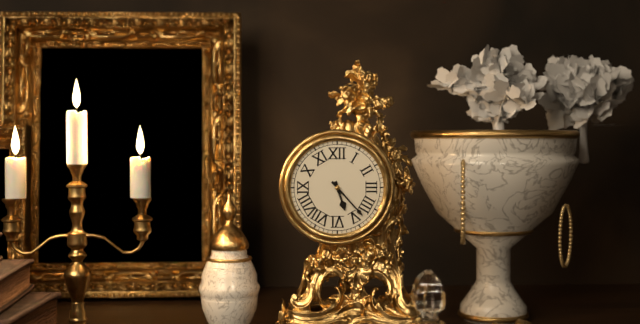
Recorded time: 5:23
